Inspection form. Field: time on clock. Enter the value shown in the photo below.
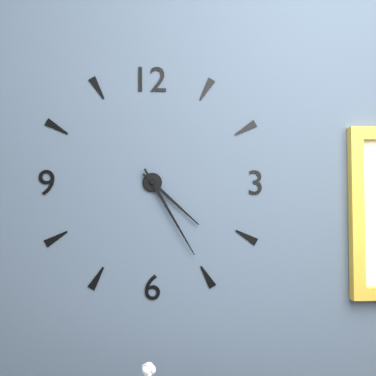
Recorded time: 4:25
